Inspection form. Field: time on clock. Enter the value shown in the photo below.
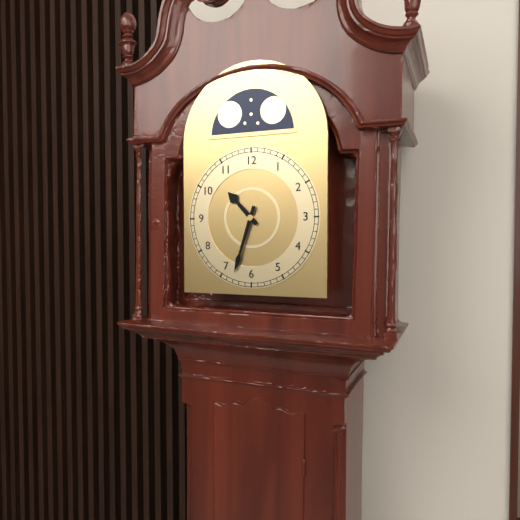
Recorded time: 10:33
